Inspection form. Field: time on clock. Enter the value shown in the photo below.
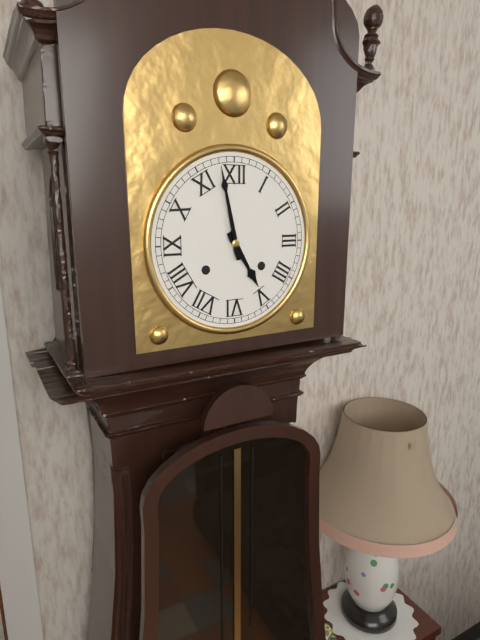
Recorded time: 4:58
